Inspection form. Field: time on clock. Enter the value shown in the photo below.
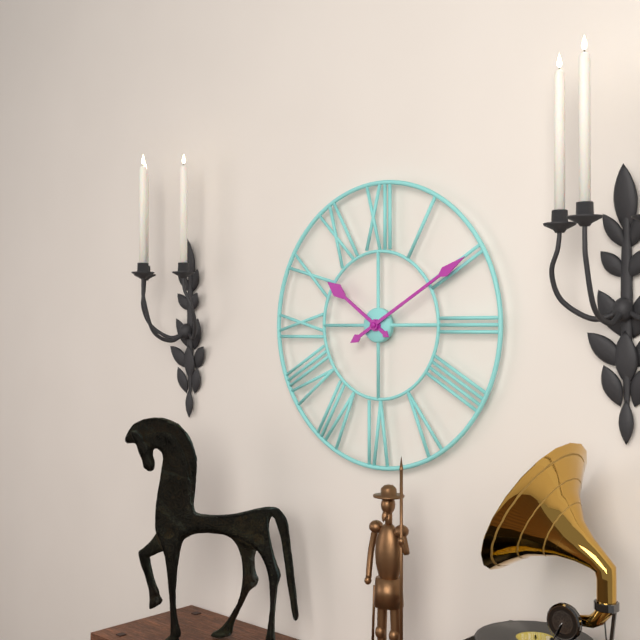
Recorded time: 10:10
